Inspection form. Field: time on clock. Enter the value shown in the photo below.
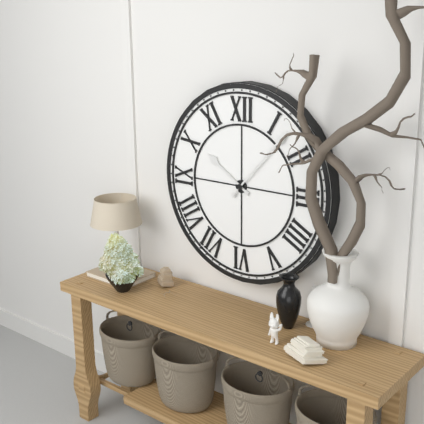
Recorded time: 10:07
